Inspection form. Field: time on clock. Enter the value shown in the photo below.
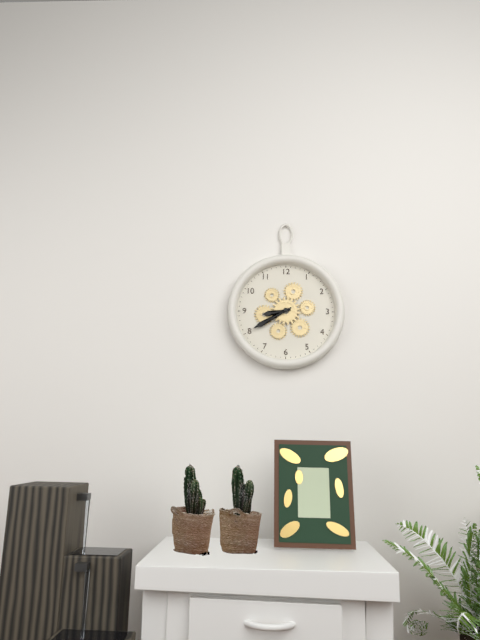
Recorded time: 8:40
